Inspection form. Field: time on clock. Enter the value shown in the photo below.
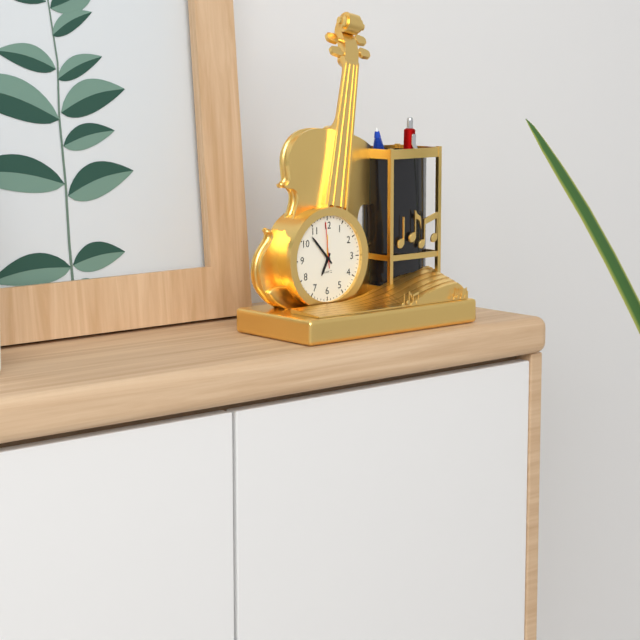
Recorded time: 6:53
